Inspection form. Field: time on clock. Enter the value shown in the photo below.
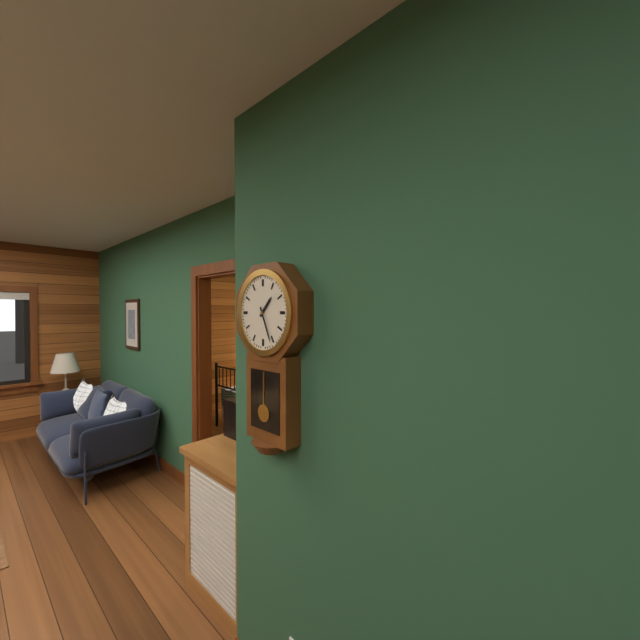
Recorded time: 1:26
